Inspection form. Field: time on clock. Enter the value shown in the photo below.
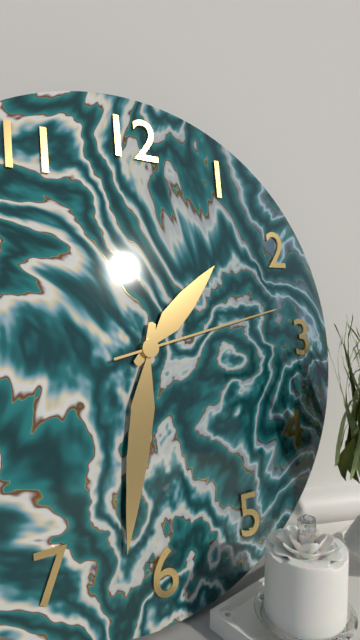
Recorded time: 1:32:13
